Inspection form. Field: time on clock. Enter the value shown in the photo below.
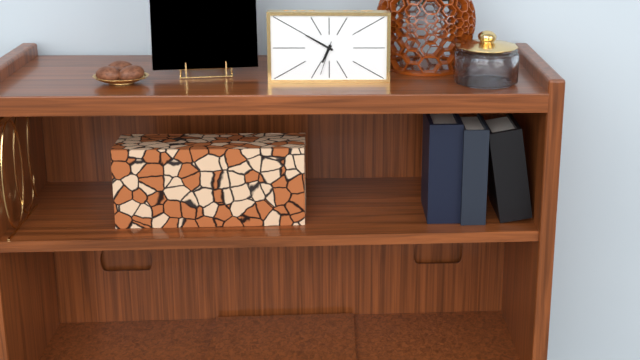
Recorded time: 6:50
